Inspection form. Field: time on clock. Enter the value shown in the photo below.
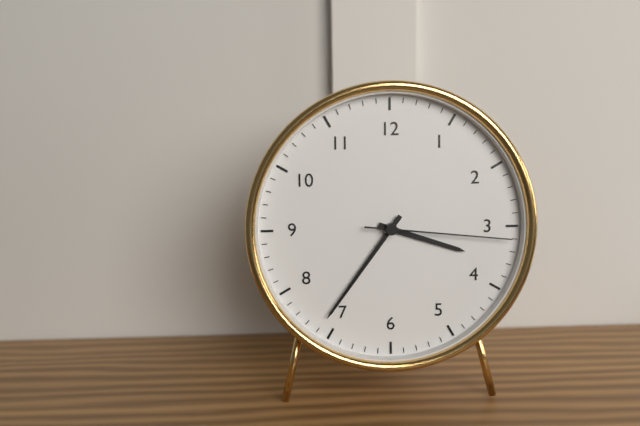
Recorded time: 3:36:16
